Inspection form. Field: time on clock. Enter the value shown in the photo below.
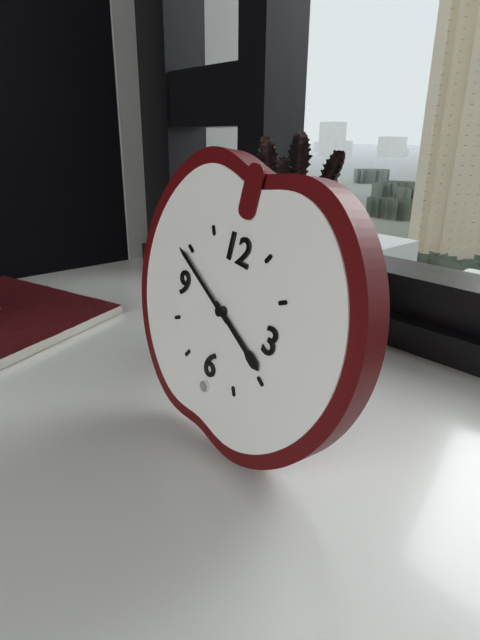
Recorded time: 3:49
